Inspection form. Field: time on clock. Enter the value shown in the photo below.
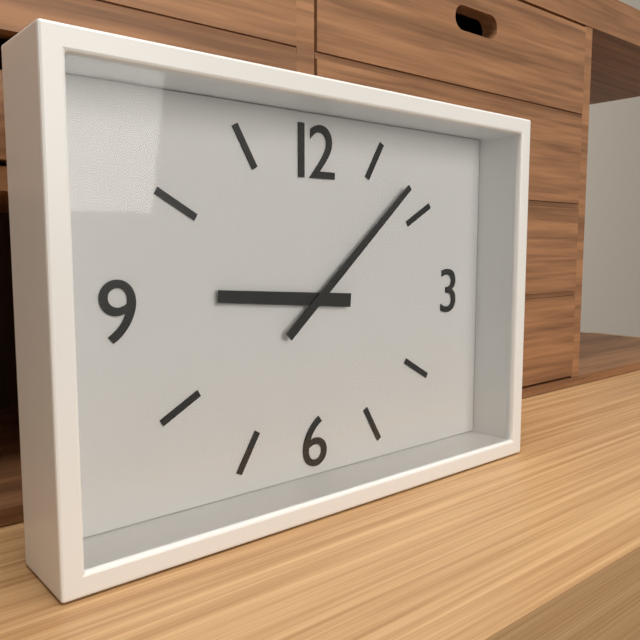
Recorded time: 9:08
